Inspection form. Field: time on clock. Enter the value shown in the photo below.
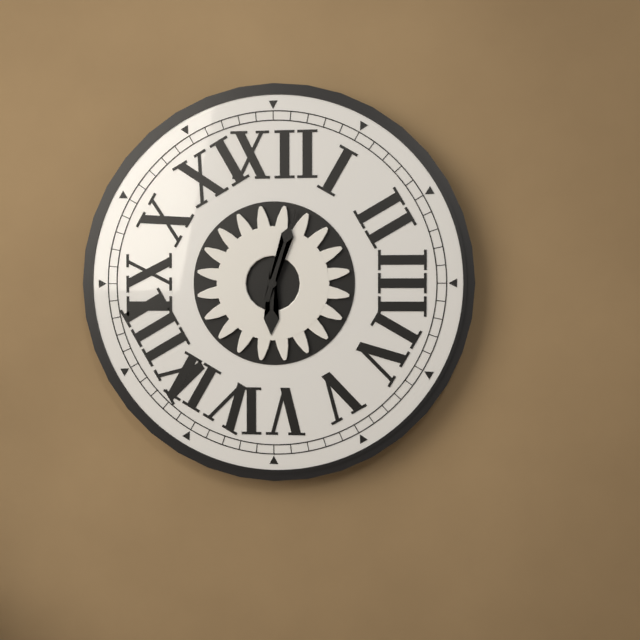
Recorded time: 6:03
